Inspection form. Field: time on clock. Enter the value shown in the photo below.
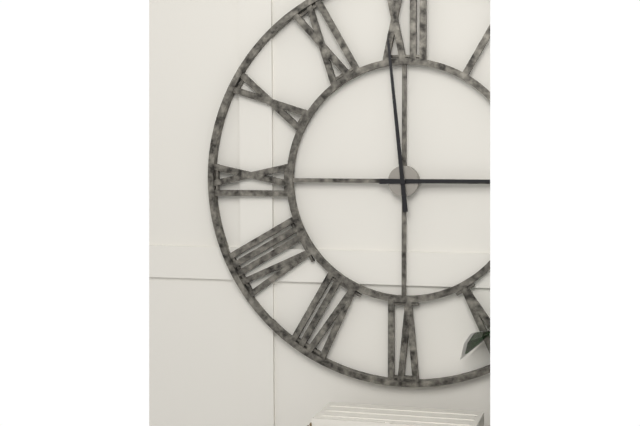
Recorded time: 2:59
